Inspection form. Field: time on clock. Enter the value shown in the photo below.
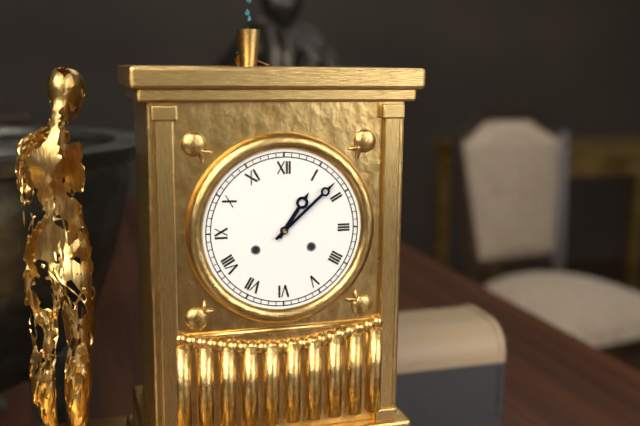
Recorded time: 1:08
